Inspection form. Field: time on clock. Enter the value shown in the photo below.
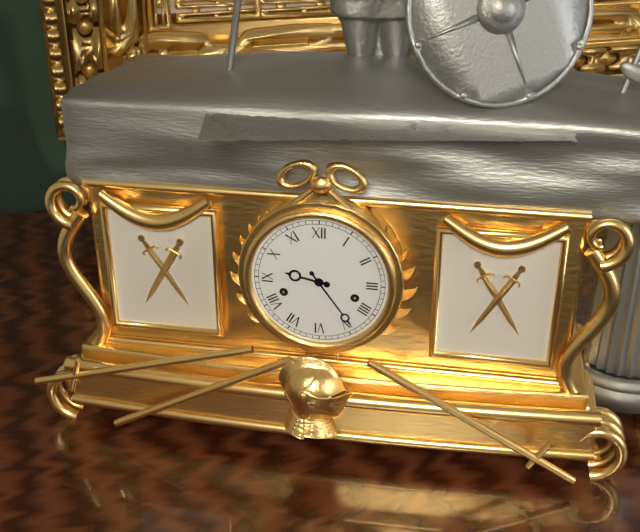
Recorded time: 9:24
